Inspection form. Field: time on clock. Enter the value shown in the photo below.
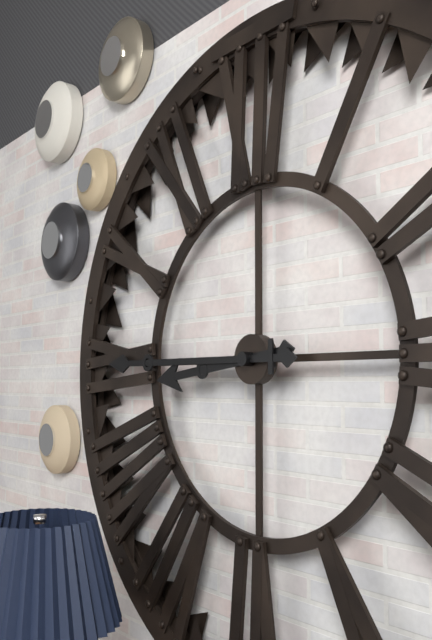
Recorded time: 8:45
